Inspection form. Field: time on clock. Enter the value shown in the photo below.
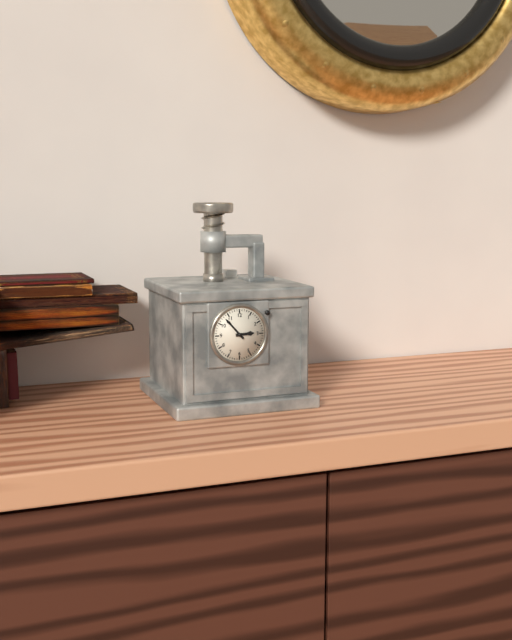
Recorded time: 2:53
